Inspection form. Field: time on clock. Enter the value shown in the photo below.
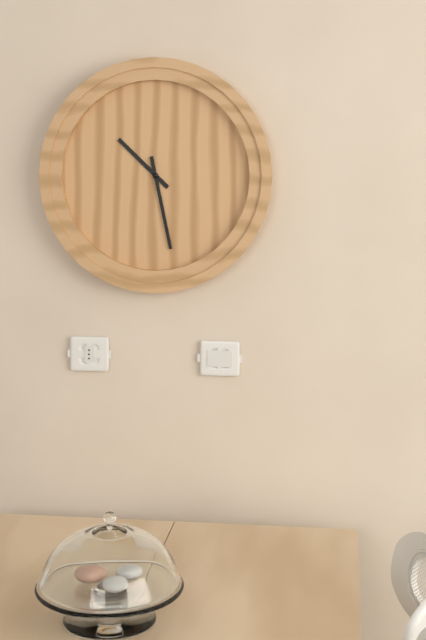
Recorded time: 10:28
